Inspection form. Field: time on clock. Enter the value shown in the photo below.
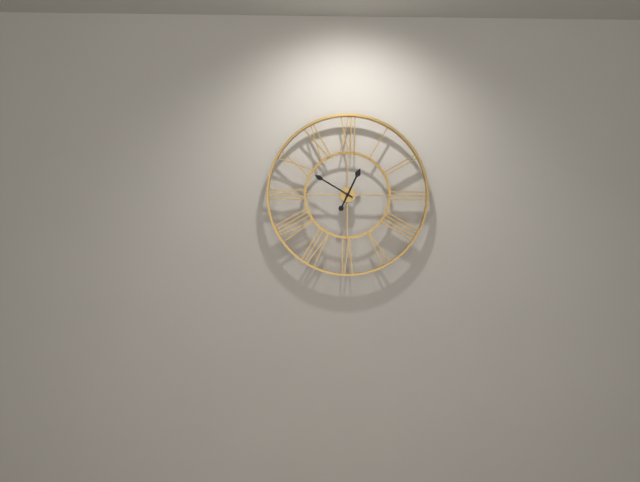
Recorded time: 12:50
